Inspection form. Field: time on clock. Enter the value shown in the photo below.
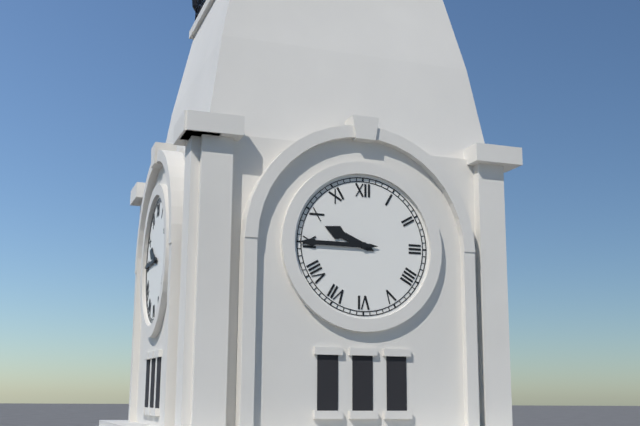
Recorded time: 9:45
